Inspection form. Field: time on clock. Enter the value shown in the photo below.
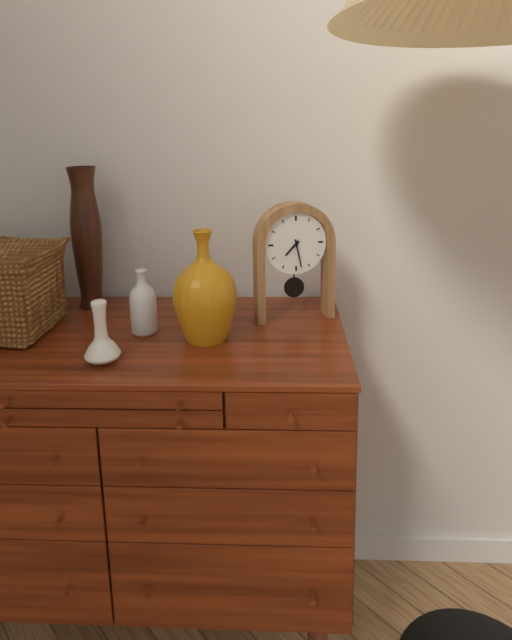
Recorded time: 7:28
